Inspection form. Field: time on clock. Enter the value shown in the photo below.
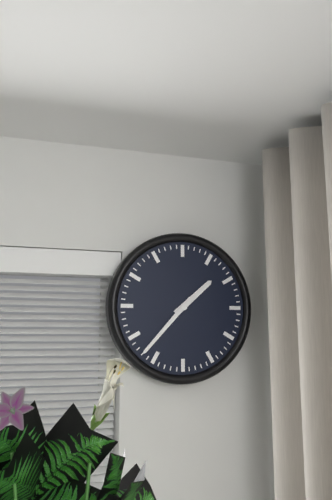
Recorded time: 1:37
